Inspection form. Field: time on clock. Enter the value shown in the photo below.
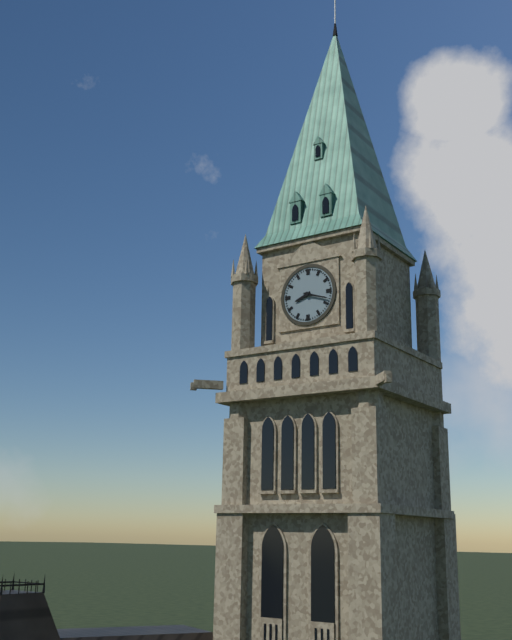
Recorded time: 8:18
